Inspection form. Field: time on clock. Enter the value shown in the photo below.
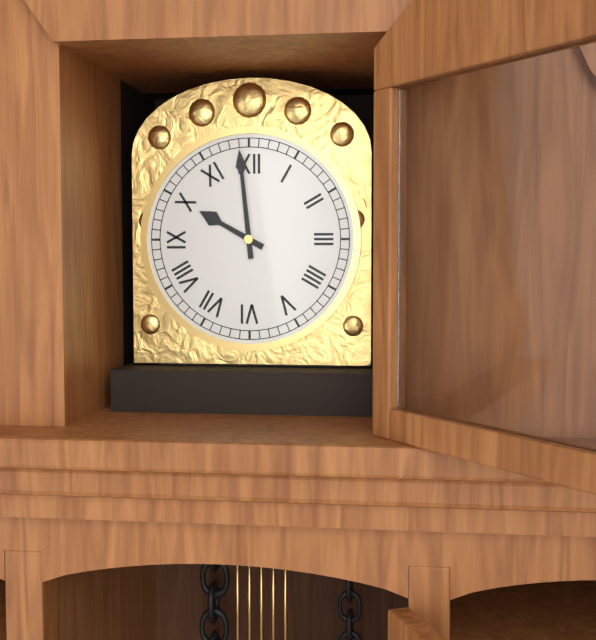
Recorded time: 9:59
